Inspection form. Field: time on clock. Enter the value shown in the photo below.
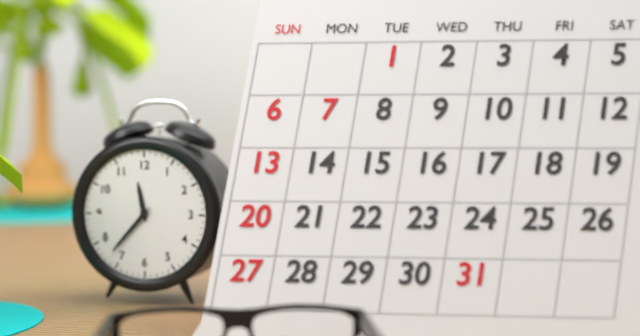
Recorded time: 11:37
